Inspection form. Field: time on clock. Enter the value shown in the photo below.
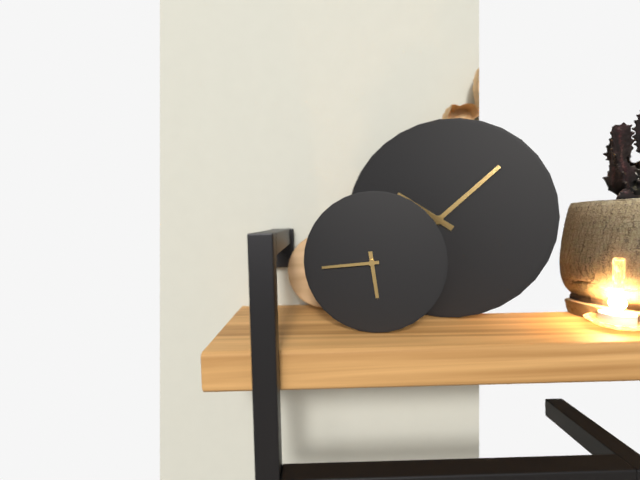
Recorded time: 5:44
